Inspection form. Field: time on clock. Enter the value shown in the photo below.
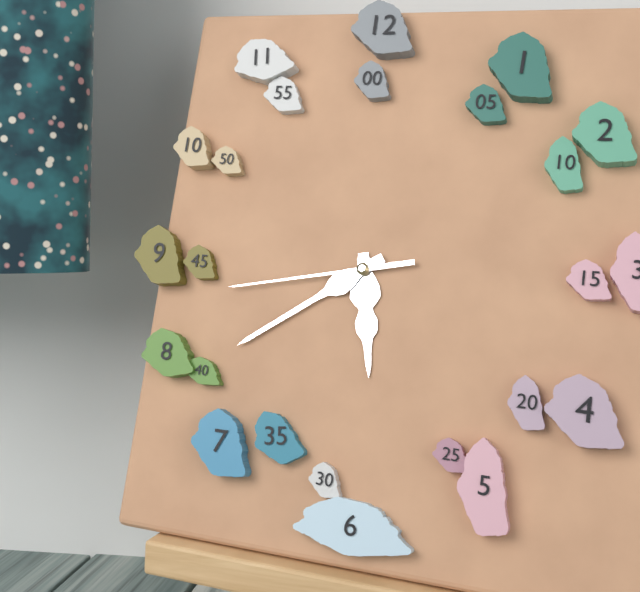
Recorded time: 5:39:43
